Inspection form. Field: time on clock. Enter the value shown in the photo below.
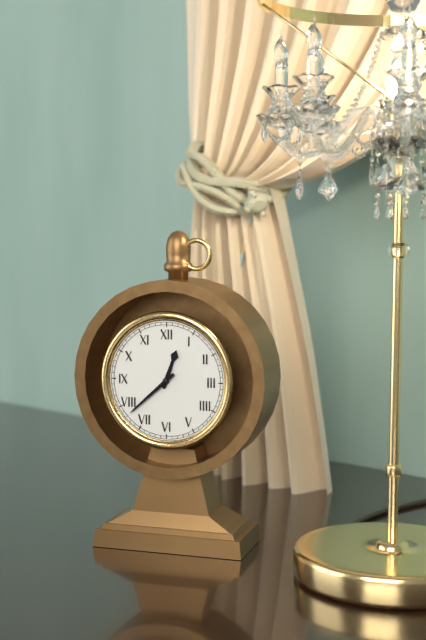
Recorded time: 12:38
